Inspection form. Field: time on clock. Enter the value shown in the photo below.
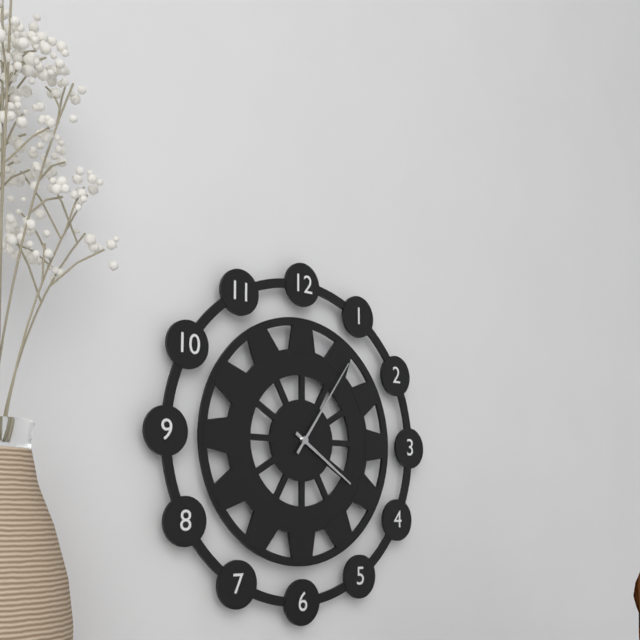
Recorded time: 4:06
